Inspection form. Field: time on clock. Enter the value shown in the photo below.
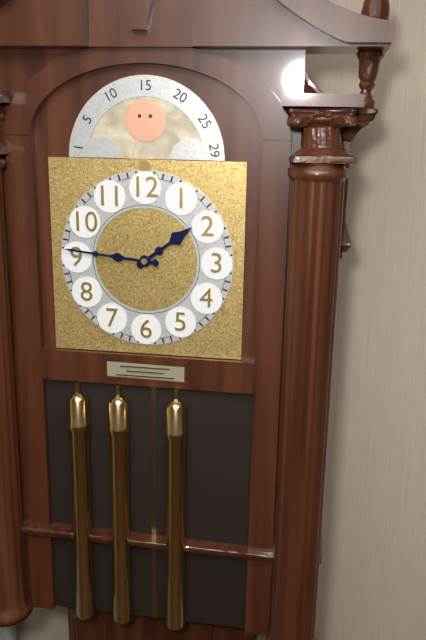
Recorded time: 1:46
